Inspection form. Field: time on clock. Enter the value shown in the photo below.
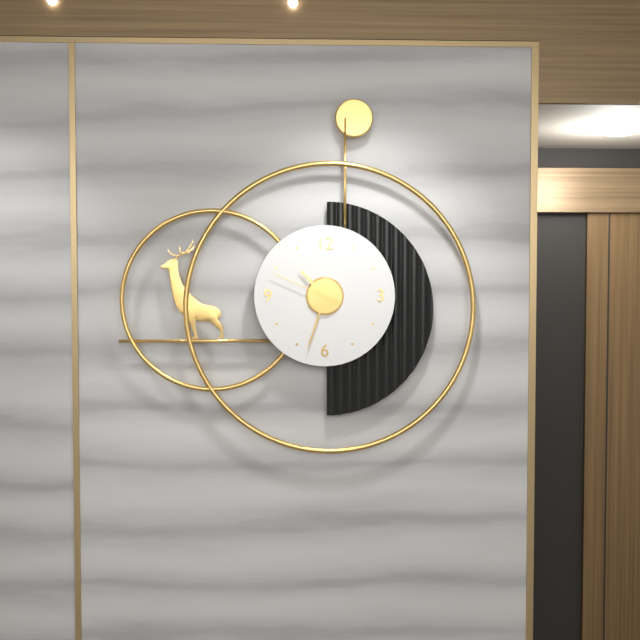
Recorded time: 10:33:49
